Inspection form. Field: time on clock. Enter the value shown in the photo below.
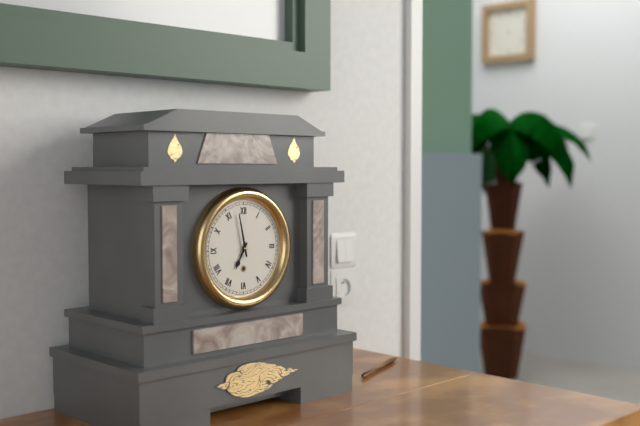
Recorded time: 6:58
